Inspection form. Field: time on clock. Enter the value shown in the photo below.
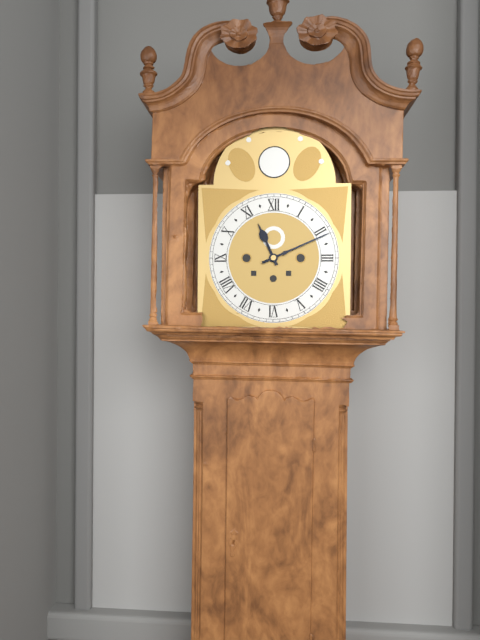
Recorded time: 11:11
